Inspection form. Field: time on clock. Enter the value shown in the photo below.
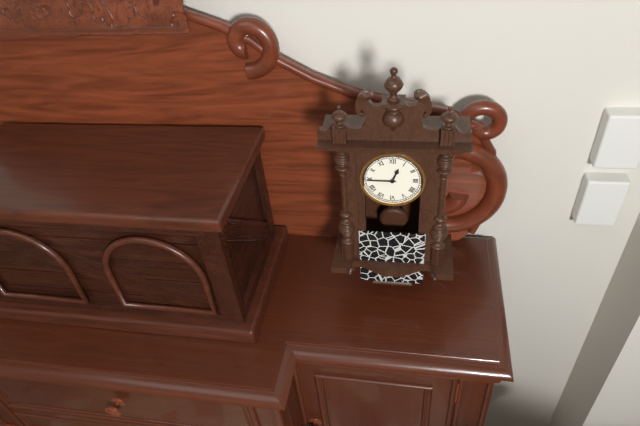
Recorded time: 12:45
